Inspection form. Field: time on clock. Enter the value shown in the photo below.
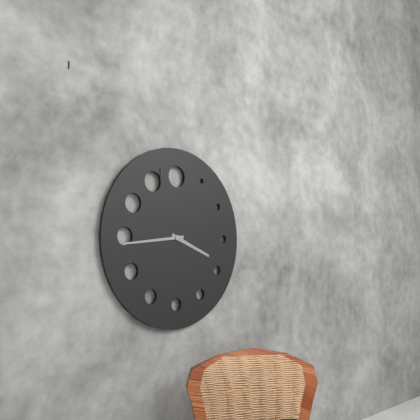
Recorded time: 3:44
